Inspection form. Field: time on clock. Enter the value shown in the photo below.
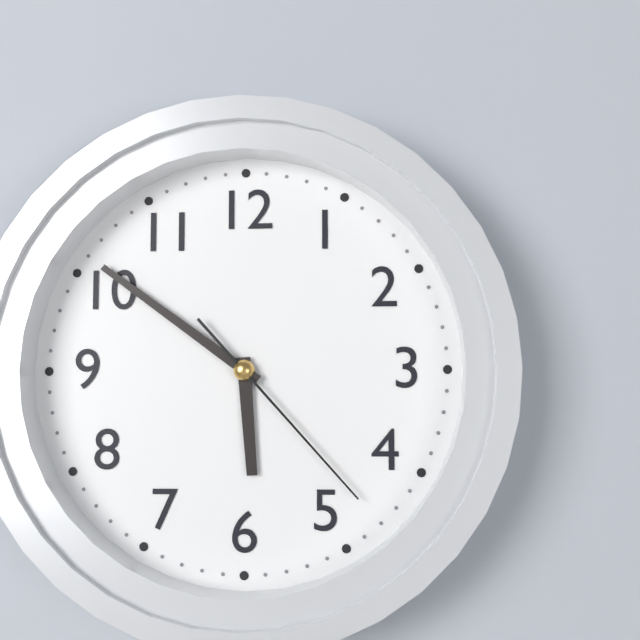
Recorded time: 5:51:23
